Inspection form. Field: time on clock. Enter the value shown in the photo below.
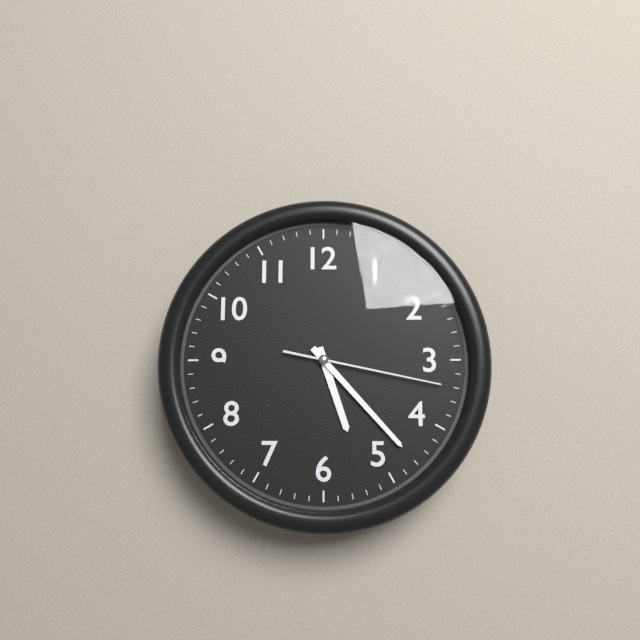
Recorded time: 5:23:17
